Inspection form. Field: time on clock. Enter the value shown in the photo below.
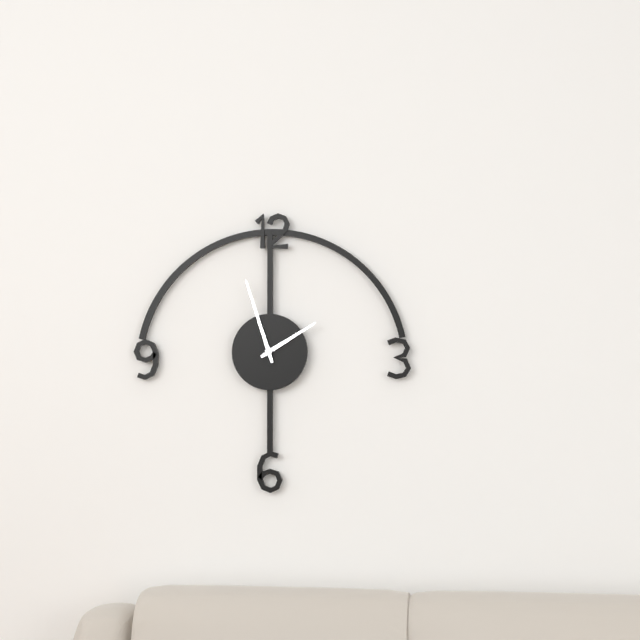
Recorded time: 1:57
